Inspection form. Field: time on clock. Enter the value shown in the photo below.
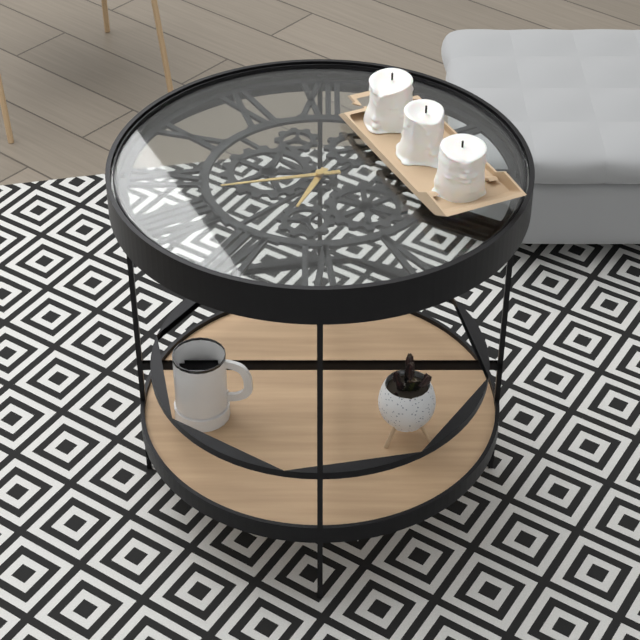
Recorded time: 6:43
